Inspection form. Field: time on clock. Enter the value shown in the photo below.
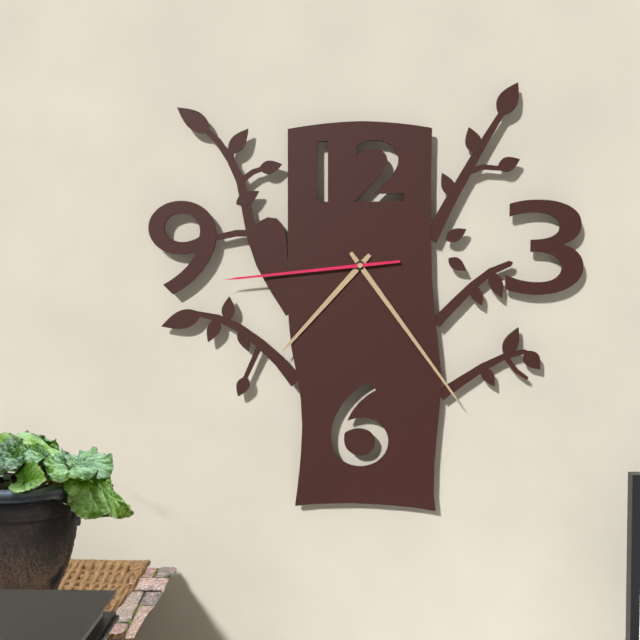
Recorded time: 7:24:44
